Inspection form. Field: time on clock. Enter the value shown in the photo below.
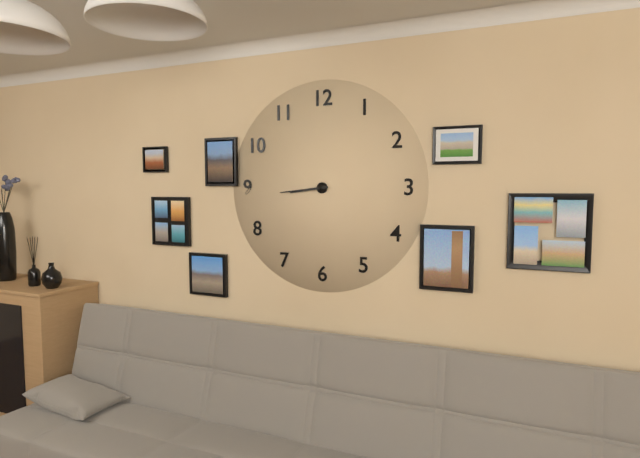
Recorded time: 8:44
